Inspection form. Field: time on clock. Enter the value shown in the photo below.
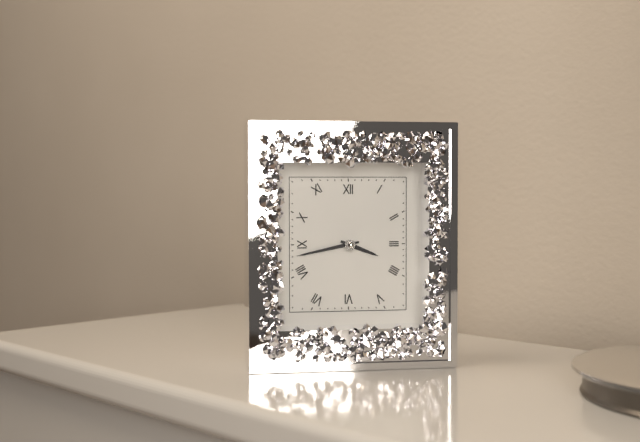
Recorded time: 3:43
